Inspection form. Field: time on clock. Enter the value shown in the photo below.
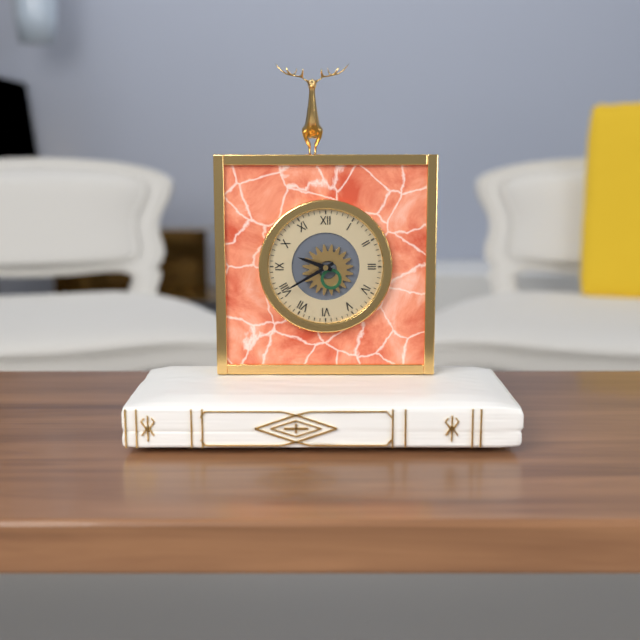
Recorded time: 9:40
